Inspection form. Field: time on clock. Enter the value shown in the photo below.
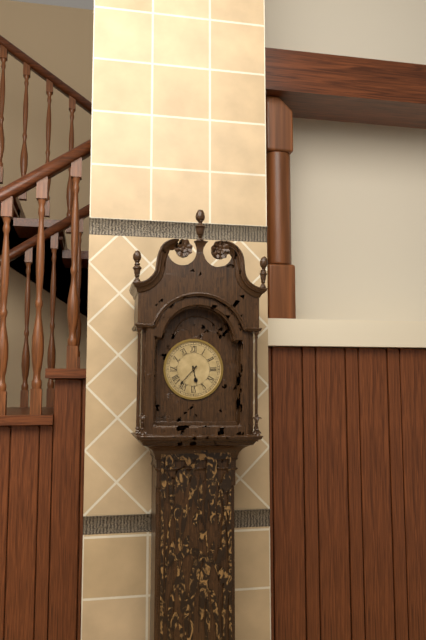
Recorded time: 5:37
